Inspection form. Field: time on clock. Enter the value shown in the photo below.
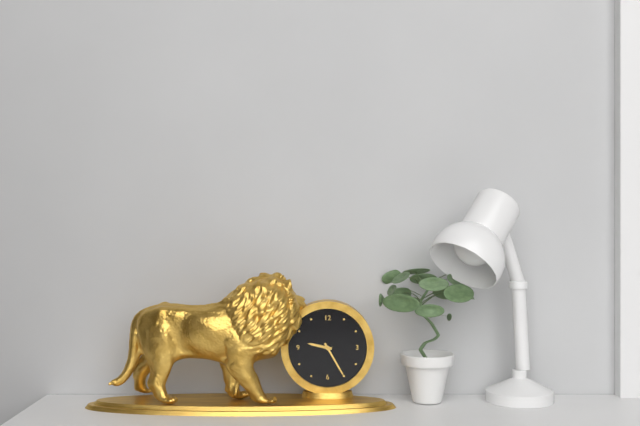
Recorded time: 9:25
